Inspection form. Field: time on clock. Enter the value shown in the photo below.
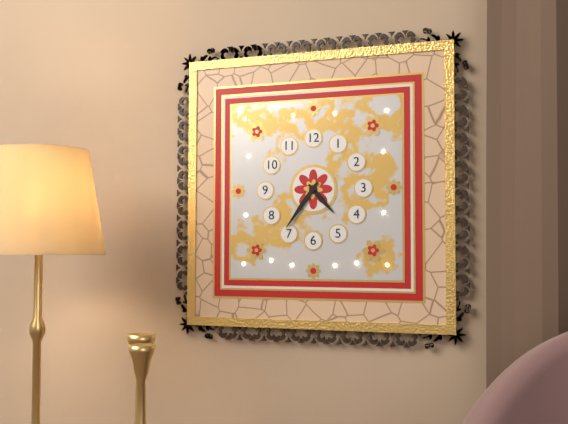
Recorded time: 4:36
